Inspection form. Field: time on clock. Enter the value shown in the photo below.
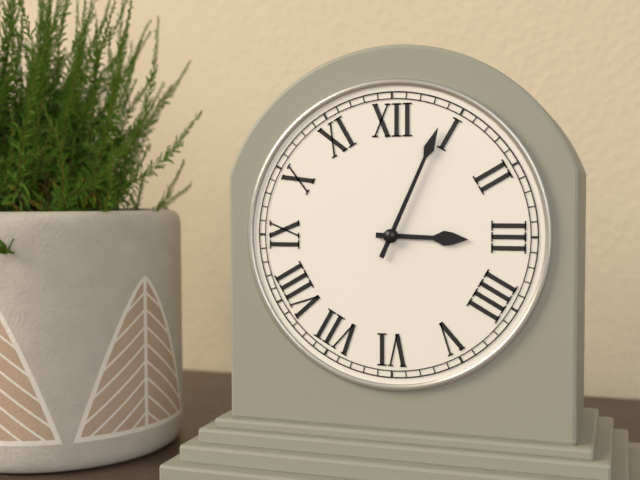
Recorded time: 3:04
